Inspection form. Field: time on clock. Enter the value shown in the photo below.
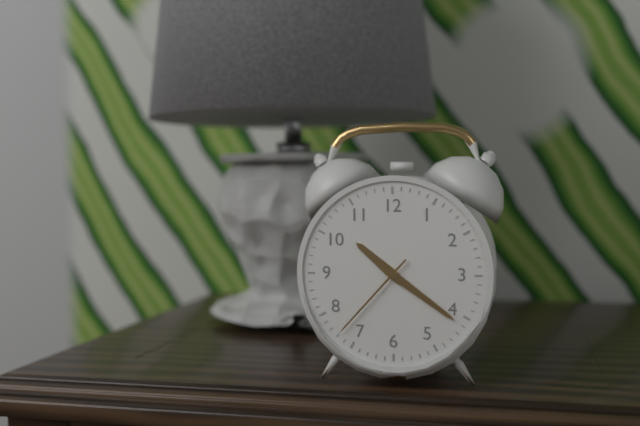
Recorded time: 10:21:37
